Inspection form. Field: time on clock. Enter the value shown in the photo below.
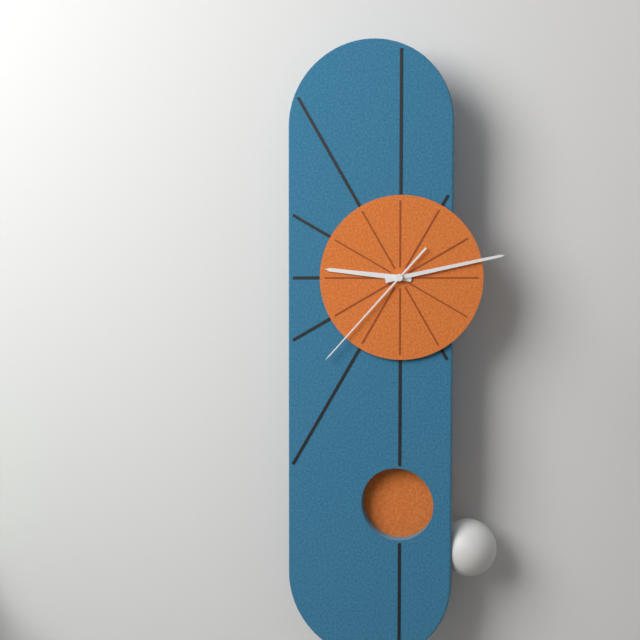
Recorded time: 9:13:37
